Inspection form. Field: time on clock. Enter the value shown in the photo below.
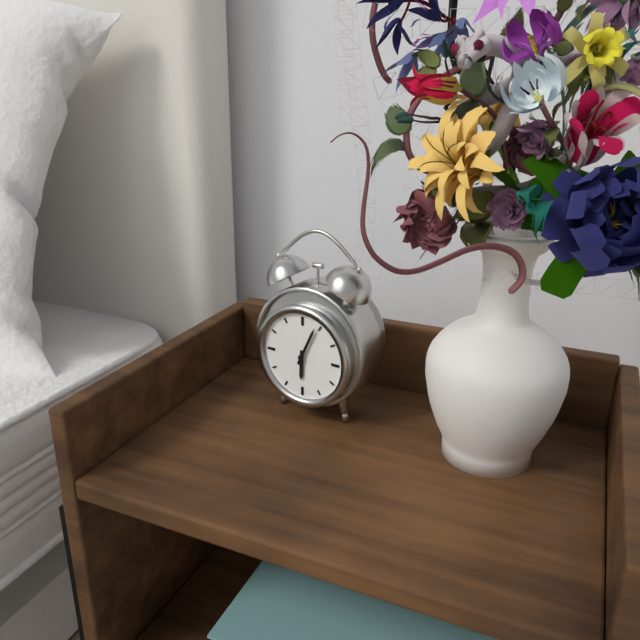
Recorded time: 6:04
